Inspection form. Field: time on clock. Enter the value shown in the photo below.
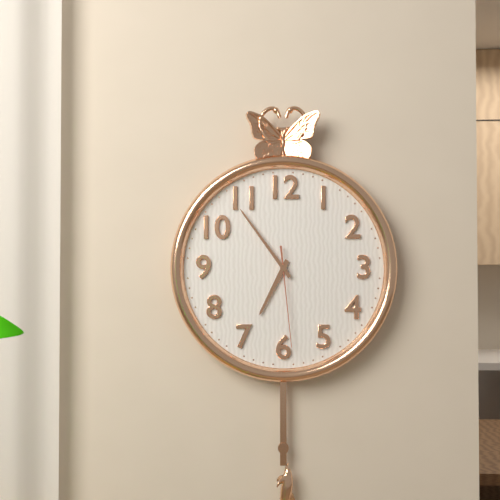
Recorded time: 6:54:29
